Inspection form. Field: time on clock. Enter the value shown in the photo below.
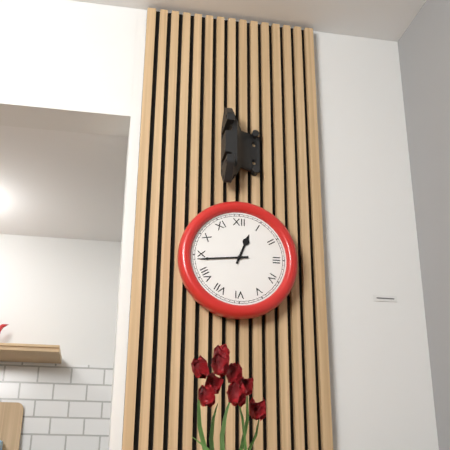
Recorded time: 12:44
